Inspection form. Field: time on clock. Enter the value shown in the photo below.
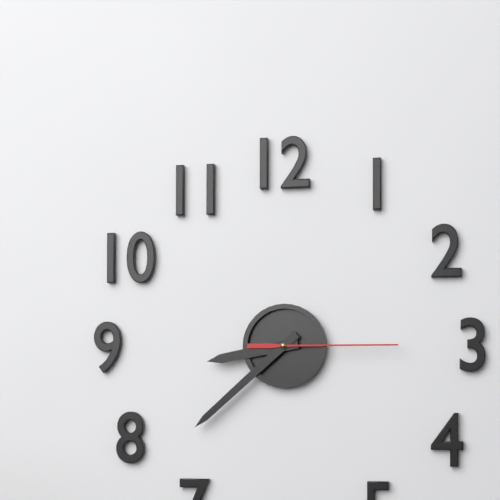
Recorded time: 8:38:15
